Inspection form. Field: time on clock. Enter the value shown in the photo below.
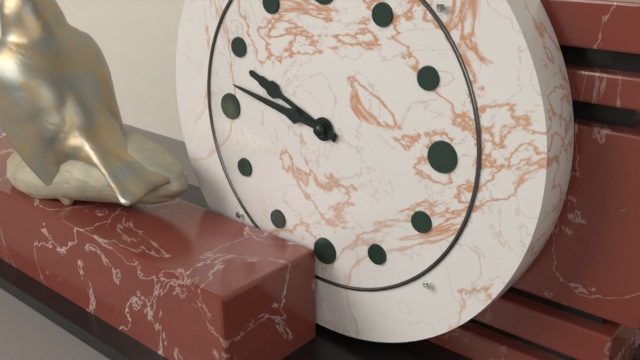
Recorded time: 9:47
